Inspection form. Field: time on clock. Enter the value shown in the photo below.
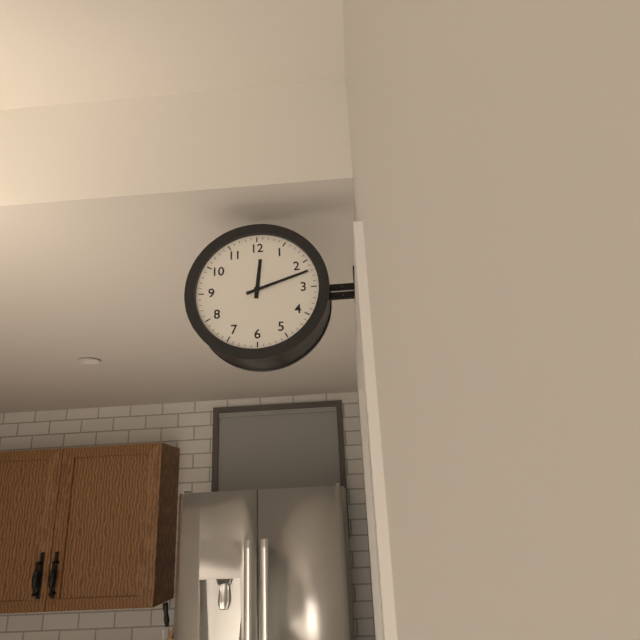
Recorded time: 12:12
